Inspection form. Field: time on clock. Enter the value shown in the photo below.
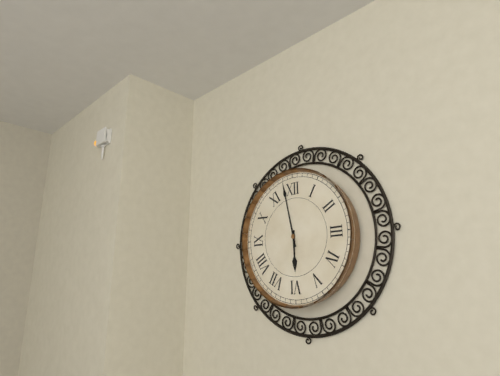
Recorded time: 5:58
